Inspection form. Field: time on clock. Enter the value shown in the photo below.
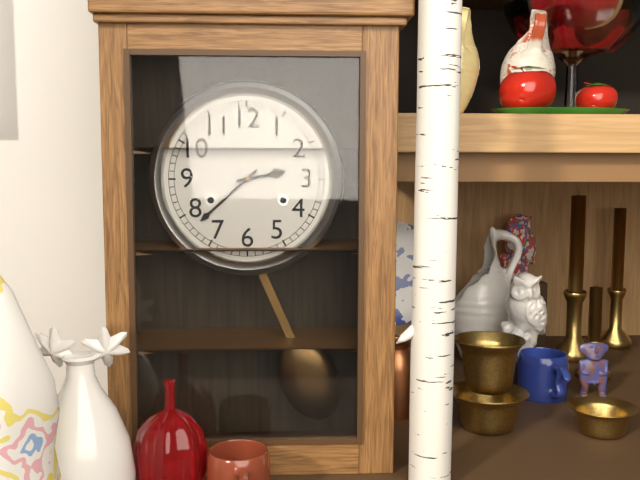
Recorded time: 2:38
